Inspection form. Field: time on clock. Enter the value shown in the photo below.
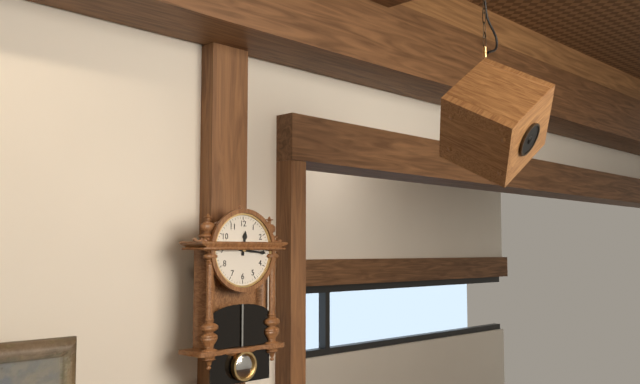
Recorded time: 12:16
